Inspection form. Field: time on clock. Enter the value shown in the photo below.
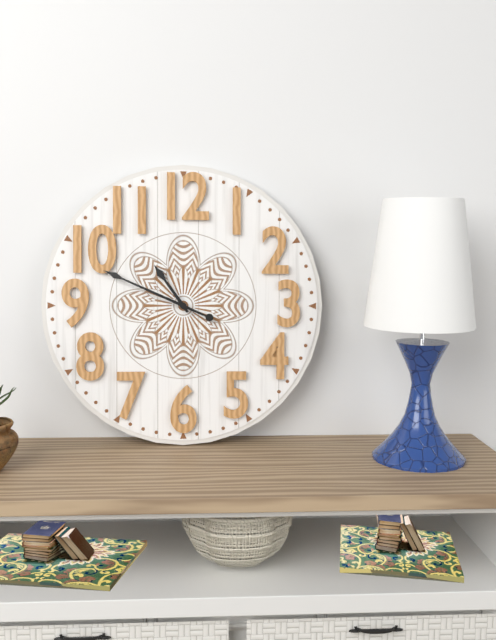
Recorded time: 10:49
